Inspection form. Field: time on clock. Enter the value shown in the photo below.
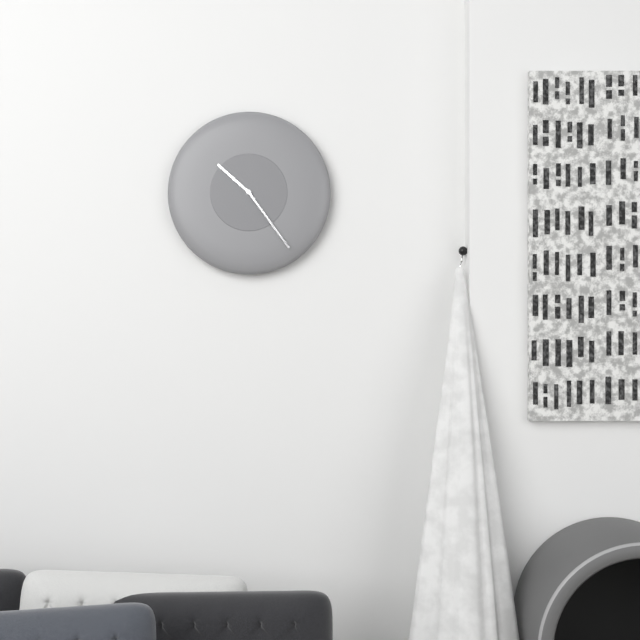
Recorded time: 10:24
